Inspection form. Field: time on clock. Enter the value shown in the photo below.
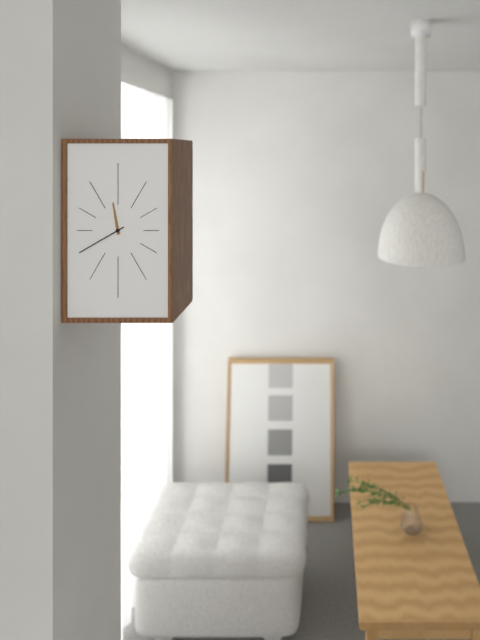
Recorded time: 11:40
